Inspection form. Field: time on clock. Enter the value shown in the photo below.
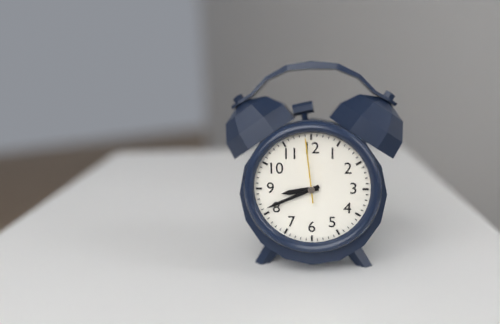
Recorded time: 8:41:59
